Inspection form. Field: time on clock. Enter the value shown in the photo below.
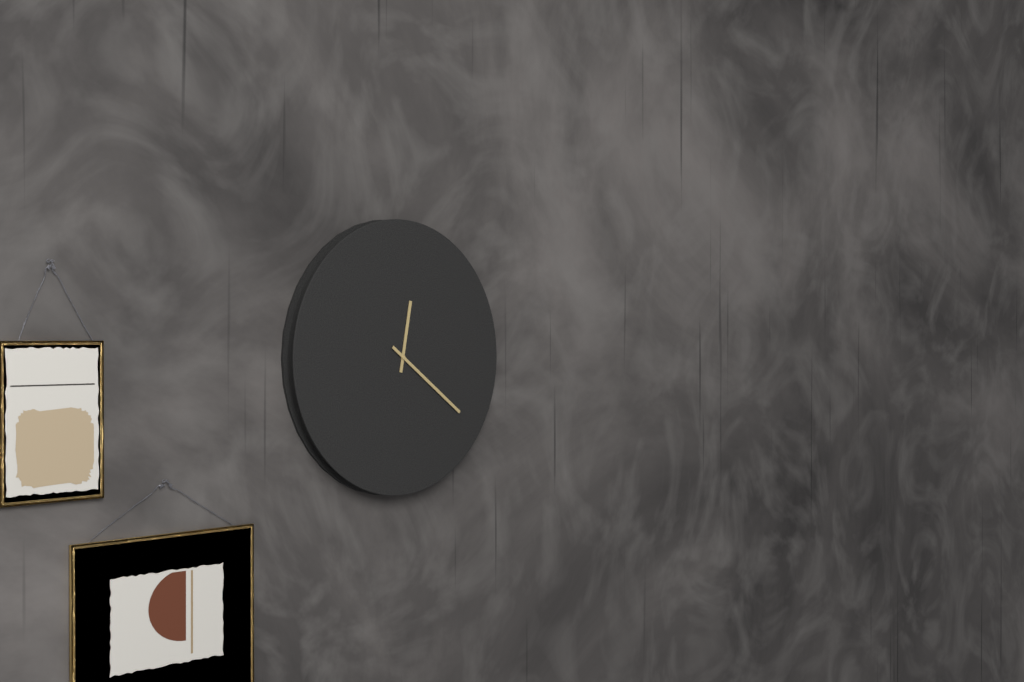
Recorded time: 12:21
